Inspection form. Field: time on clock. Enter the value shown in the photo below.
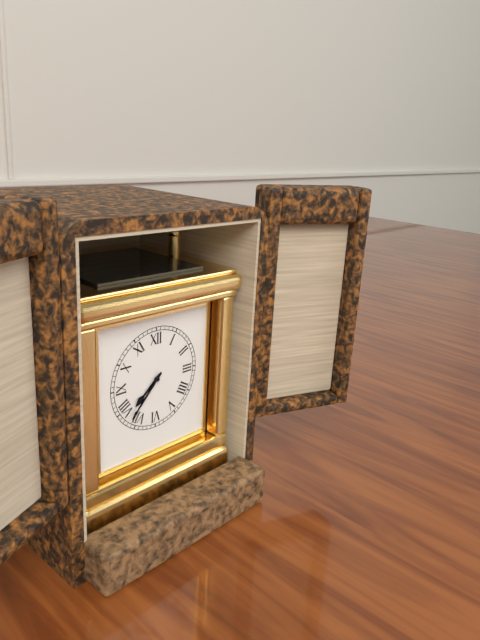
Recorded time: 7:37
